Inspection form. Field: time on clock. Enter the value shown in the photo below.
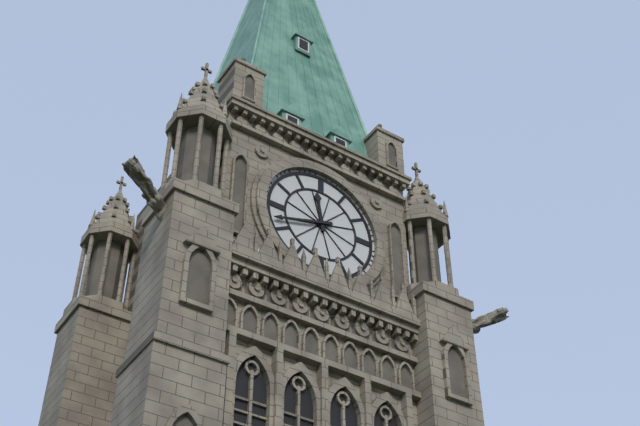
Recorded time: 11:42
